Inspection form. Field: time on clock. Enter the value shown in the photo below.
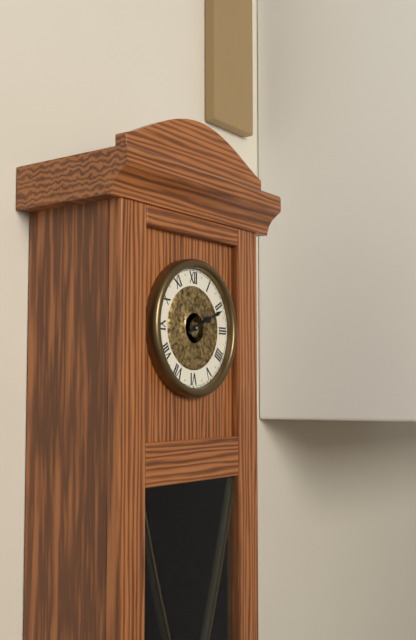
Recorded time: 2:11
